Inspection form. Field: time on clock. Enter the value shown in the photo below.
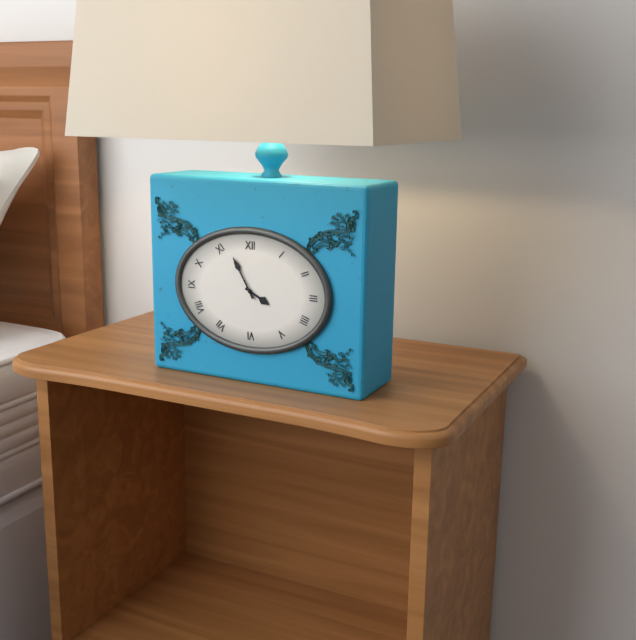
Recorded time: 3:55
